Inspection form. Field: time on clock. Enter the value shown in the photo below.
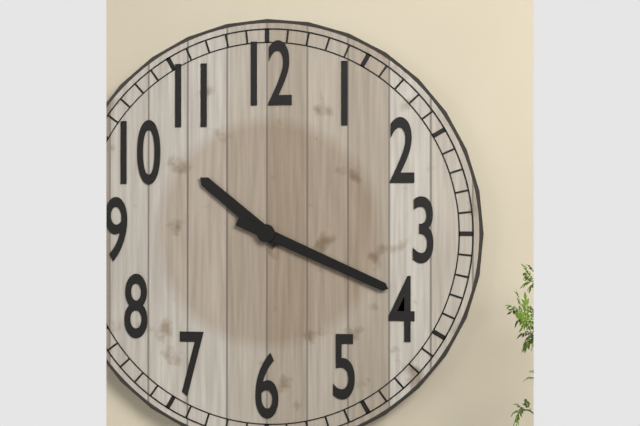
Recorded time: 10:19
